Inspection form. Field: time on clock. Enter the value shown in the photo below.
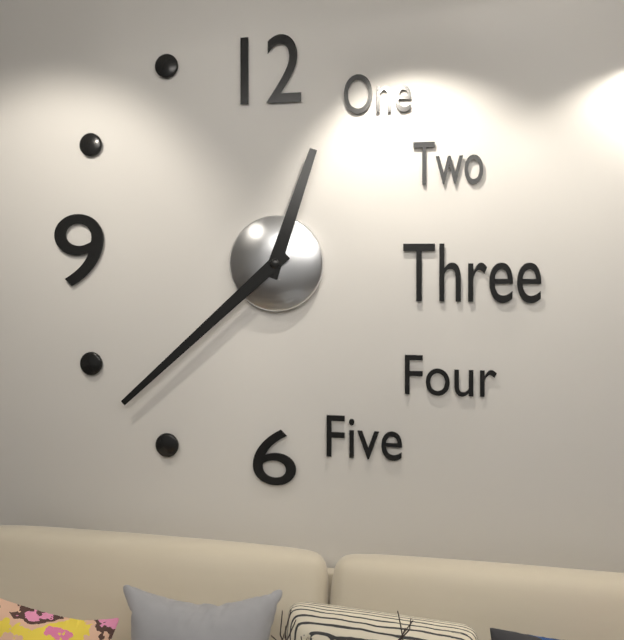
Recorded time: 12:38
